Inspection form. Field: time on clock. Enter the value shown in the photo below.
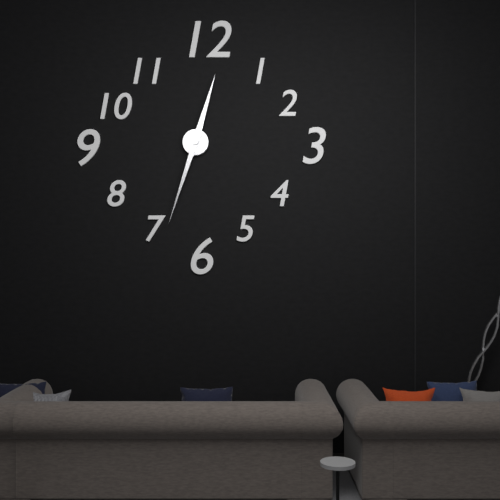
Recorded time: 12:33
